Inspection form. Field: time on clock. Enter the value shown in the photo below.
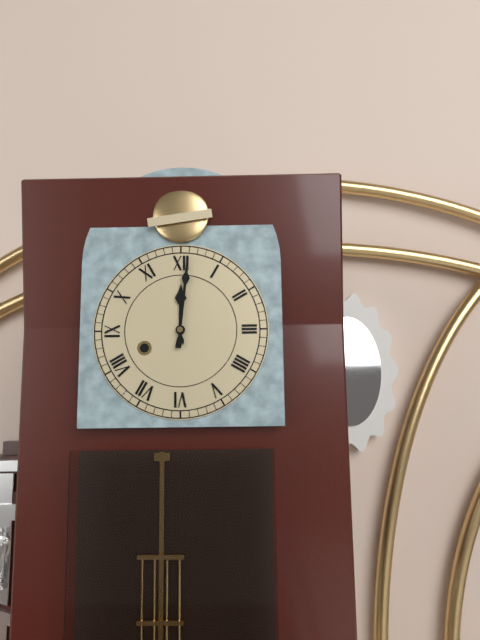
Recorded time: 12:01
